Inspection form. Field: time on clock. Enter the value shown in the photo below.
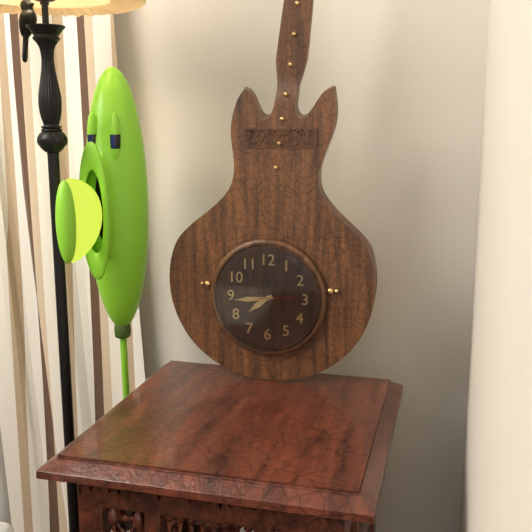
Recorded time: 7:44
